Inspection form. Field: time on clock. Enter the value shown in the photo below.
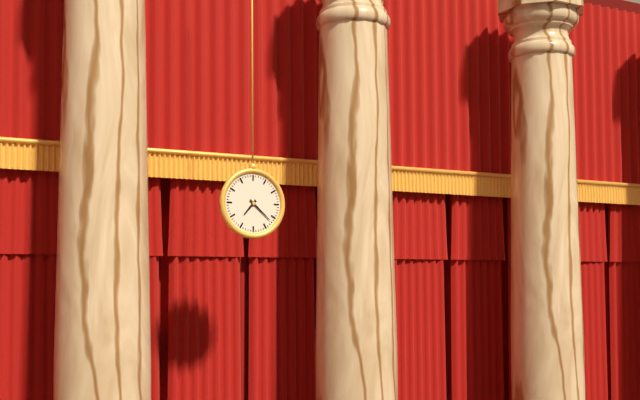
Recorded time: 7:22
